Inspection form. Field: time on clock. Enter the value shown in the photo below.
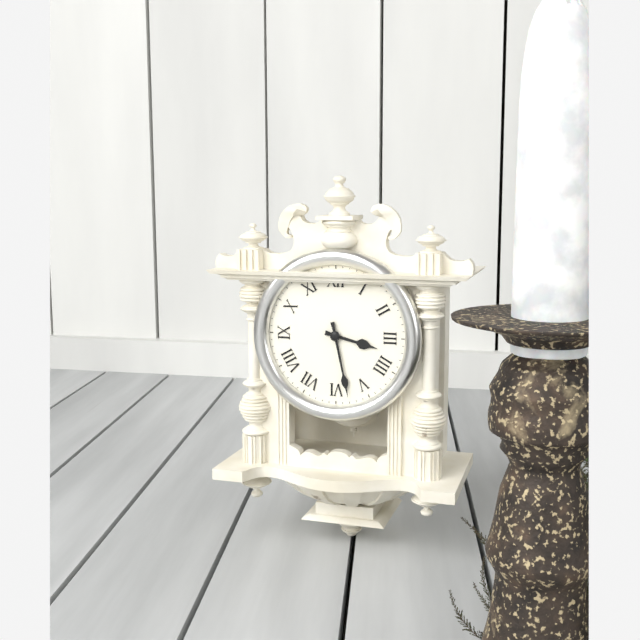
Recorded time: 3:28
